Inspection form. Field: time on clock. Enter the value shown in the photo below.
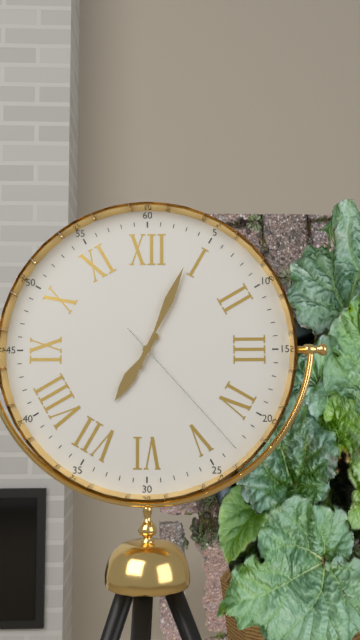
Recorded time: 7:04:23
